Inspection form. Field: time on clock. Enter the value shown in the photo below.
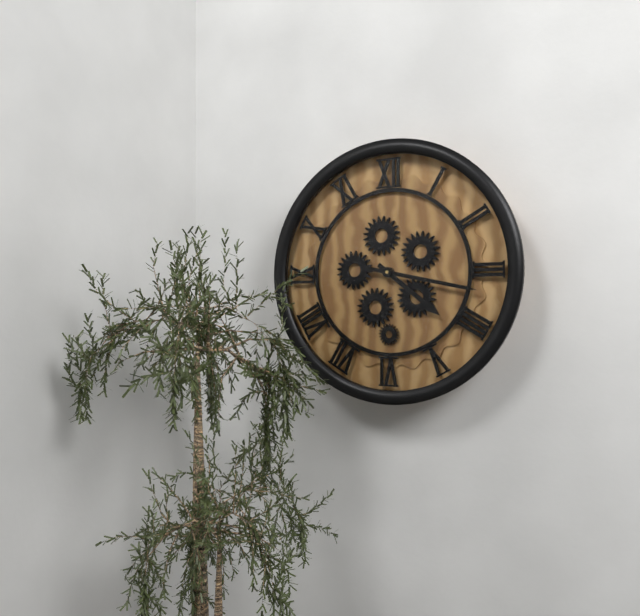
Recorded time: 4:17
